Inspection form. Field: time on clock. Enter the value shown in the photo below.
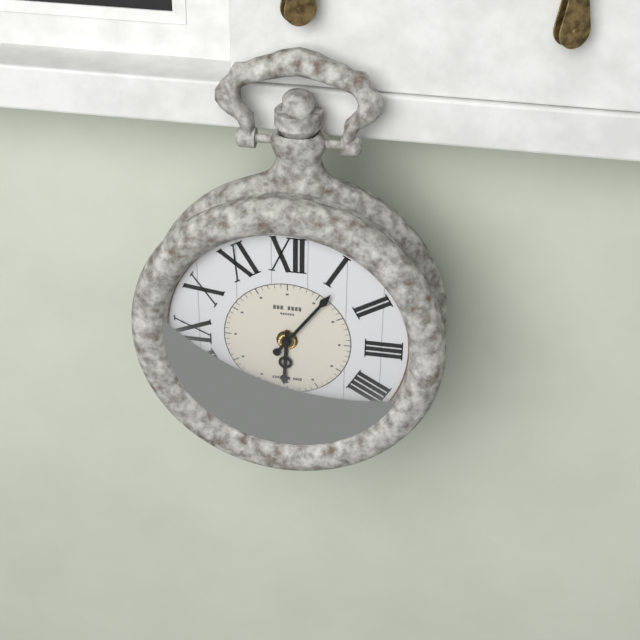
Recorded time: 6:06
